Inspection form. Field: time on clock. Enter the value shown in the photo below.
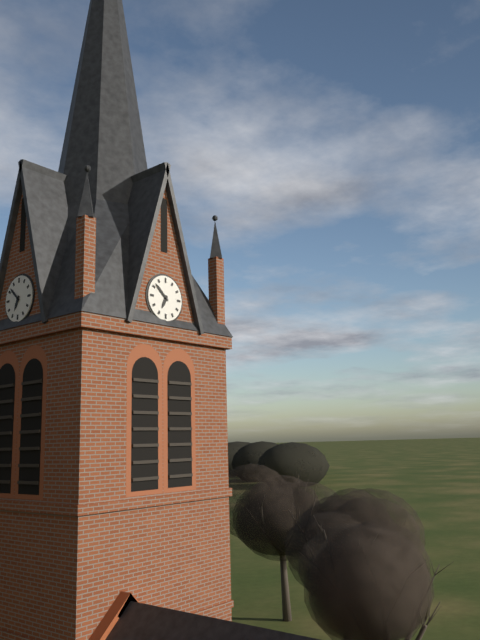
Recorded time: 6:52
